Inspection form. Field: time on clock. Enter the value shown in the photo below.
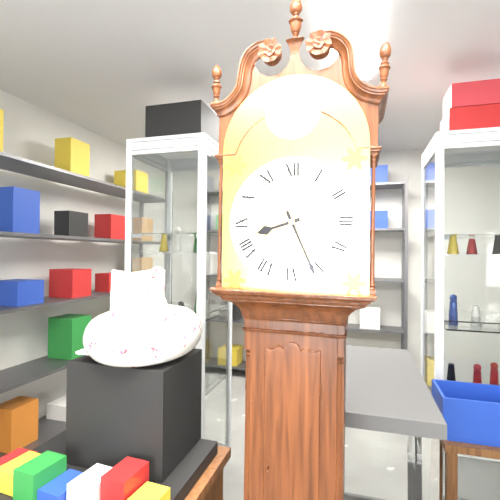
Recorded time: 8:26
